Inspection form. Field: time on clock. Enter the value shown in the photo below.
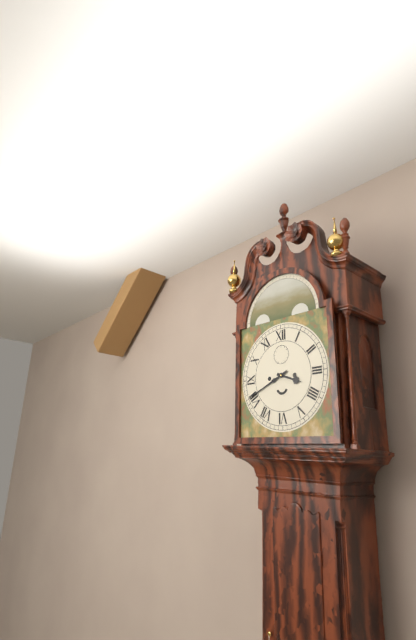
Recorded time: 3:41
